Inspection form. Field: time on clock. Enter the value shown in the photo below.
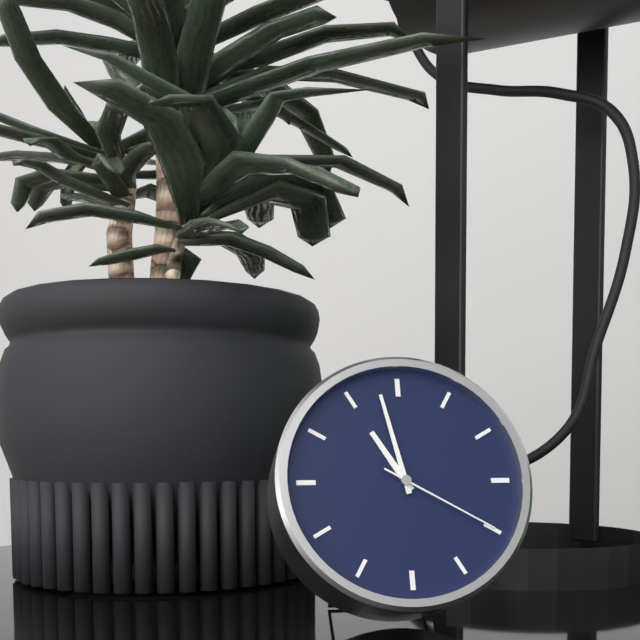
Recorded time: 10:58:20
